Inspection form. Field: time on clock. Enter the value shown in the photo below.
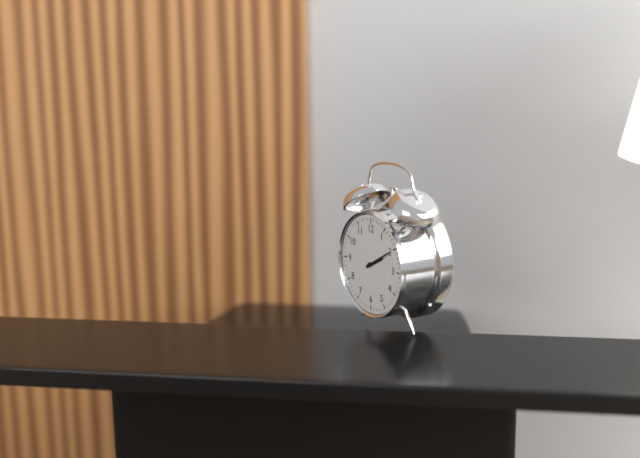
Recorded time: 2:10
